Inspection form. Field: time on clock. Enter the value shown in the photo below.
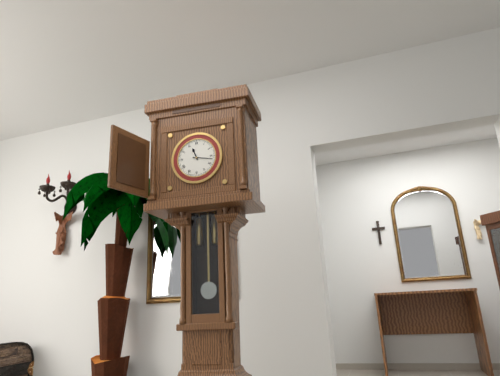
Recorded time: 11:17
